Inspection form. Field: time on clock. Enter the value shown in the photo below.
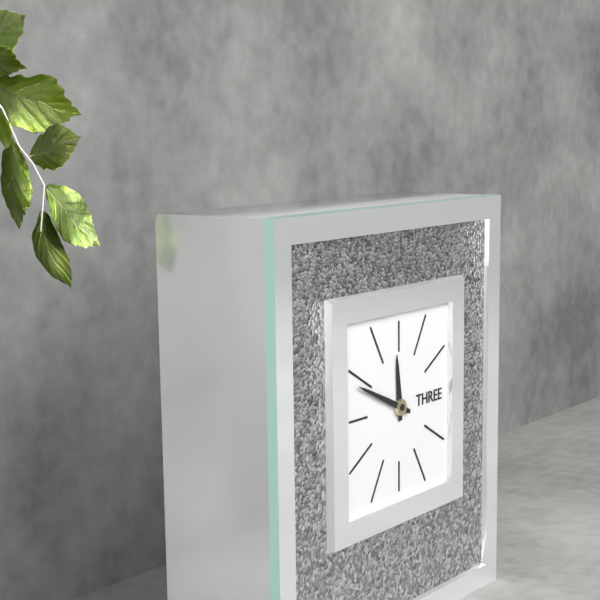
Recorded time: 11:49
